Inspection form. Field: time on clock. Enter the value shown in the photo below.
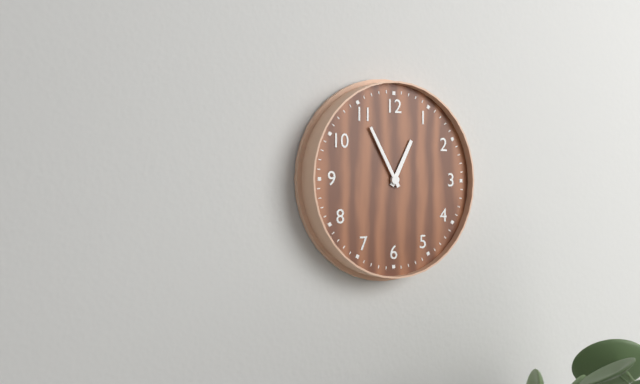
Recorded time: 12:55
